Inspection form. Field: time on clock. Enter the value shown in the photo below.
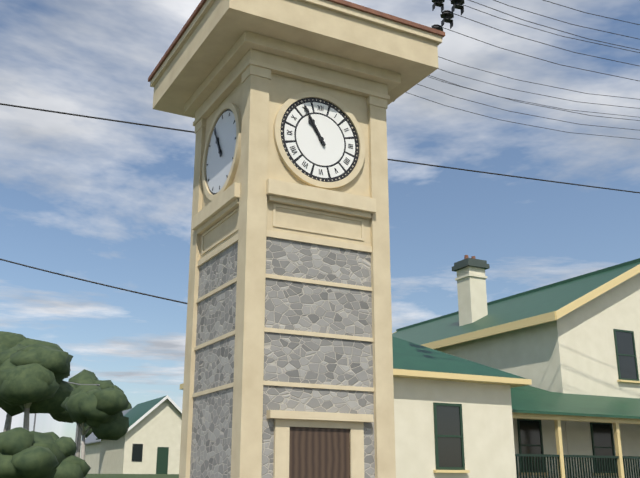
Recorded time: 10:55
